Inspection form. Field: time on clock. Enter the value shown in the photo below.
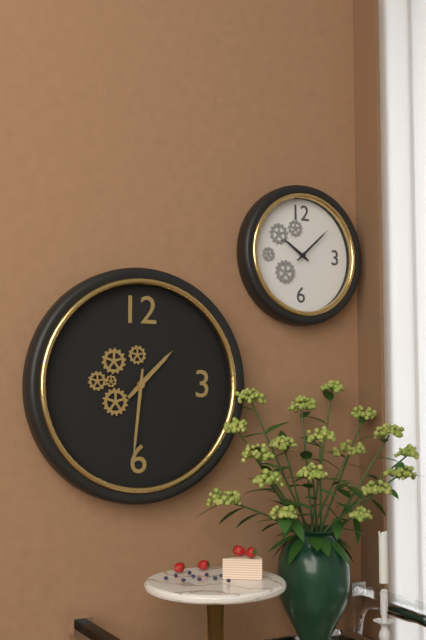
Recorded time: 1:31
